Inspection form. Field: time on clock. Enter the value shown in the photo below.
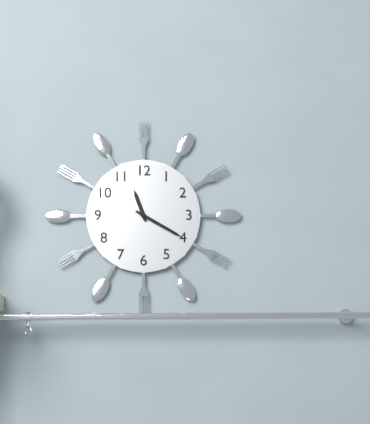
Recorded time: 11:20
